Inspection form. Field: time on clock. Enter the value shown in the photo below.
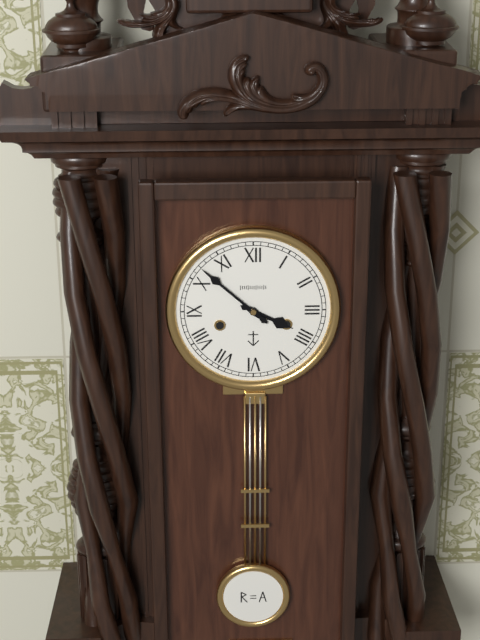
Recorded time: 3:52
